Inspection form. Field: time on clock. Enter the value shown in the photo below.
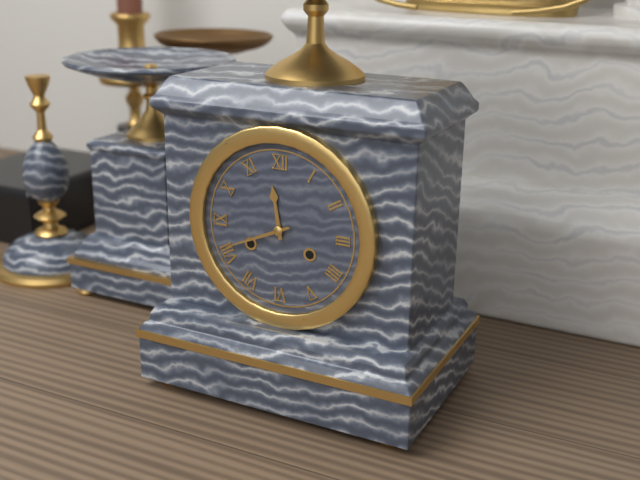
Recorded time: 11:41
